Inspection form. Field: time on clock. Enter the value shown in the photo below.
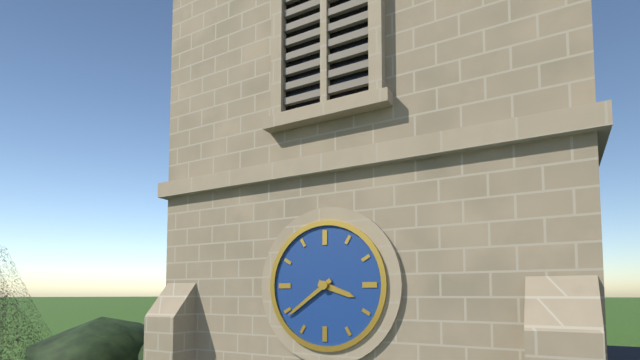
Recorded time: 3:39
